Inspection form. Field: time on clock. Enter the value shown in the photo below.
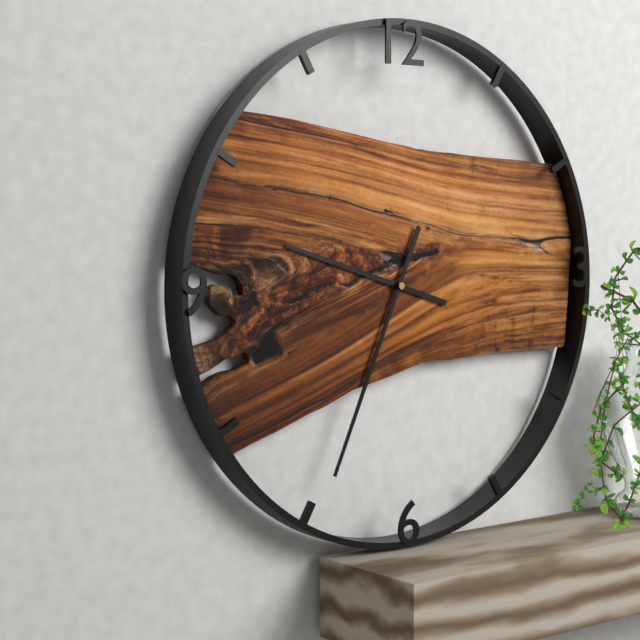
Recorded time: 9:34
